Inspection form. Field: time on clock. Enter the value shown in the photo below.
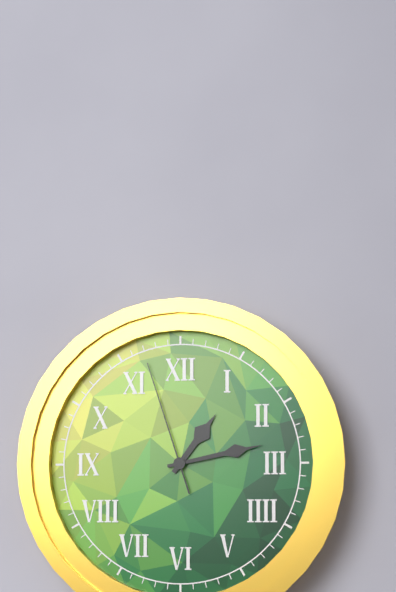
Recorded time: 1:13:57
